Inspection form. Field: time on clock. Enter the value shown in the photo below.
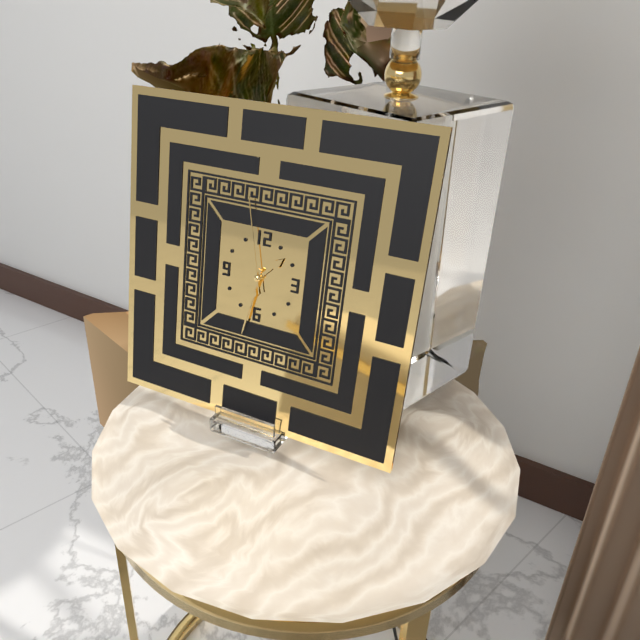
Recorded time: 1:32:58
